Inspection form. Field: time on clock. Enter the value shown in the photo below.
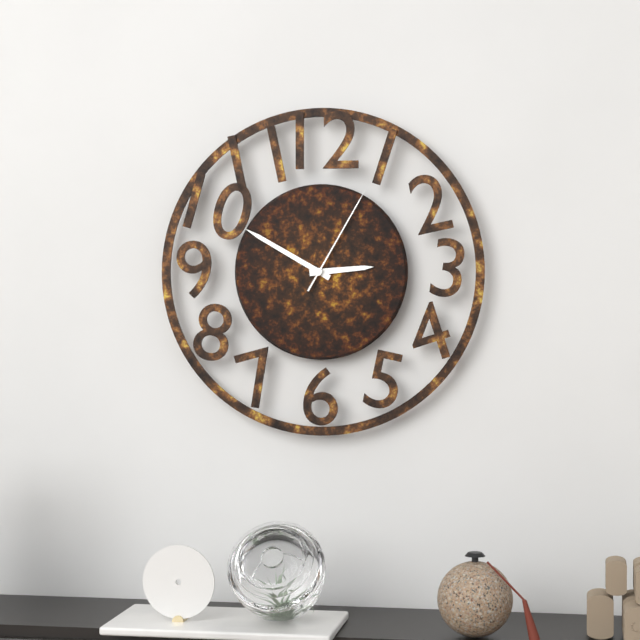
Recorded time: 2:50:05
